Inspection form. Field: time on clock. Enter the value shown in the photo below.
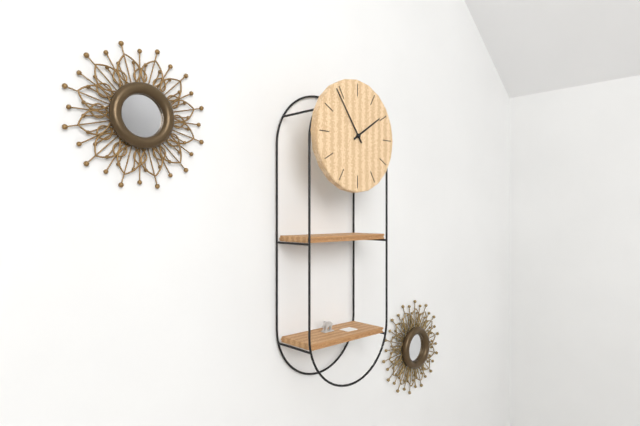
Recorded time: 1:54
